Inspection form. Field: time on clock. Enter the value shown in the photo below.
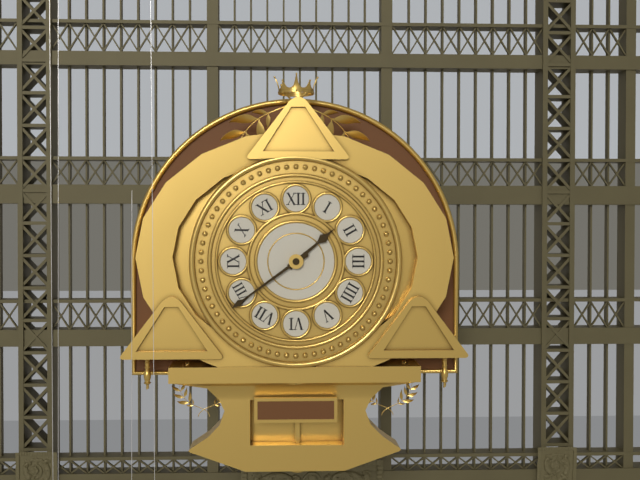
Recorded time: 1:39
